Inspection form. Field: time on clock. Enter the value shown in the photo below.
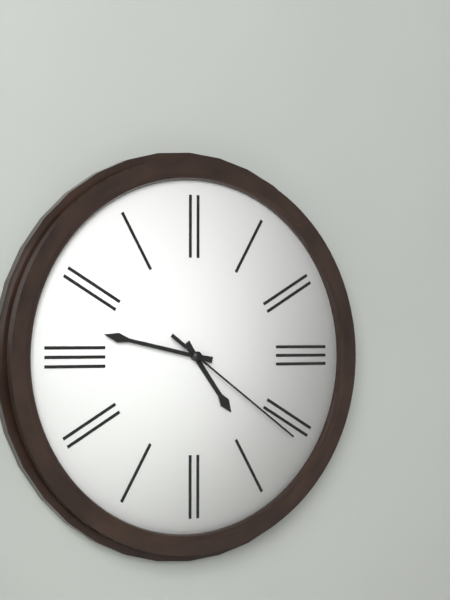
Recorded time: 4:47:21
